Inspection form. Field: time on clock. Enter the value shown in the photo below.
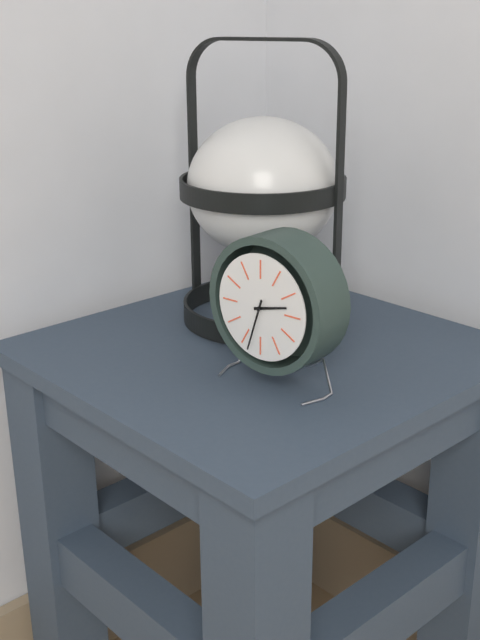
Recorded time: 2:33
